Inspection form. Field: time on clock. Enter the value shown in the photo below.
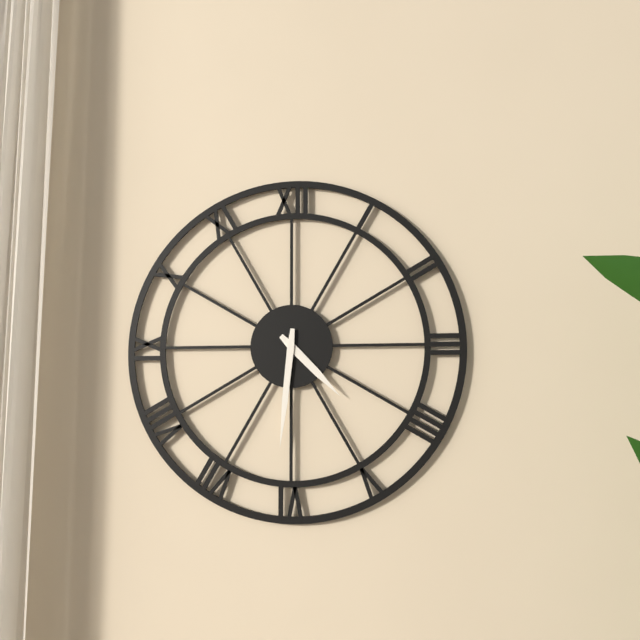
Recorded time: 4:31
